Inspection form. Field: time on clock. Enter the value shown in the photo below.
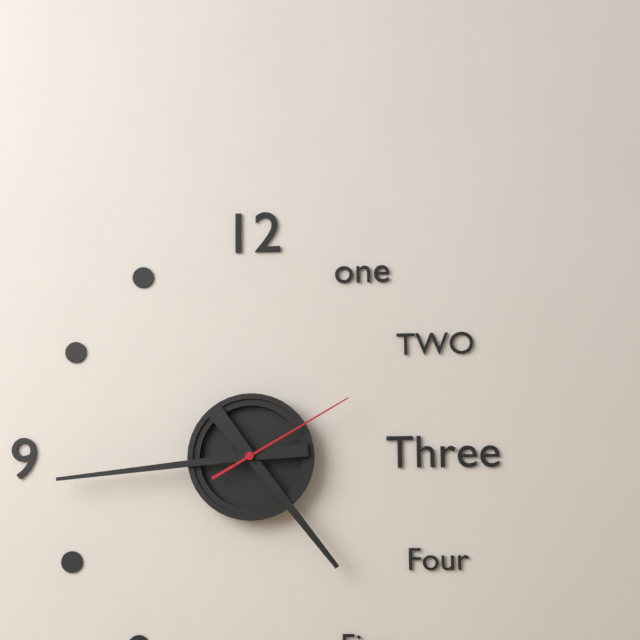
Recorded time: 4:44:10
